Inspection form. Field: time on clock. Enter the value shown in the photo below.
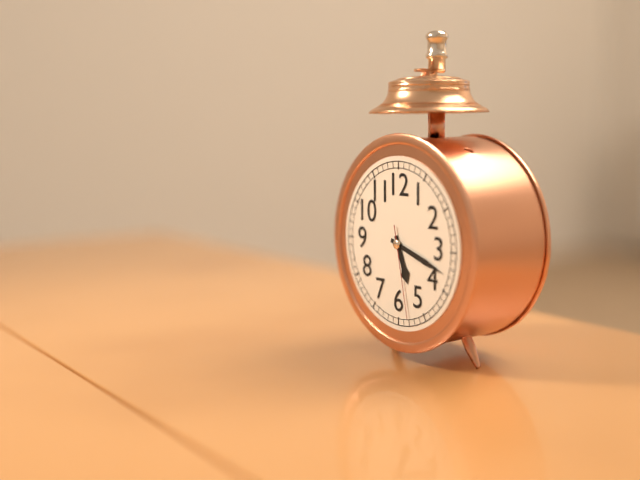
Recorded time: 5:18:28
